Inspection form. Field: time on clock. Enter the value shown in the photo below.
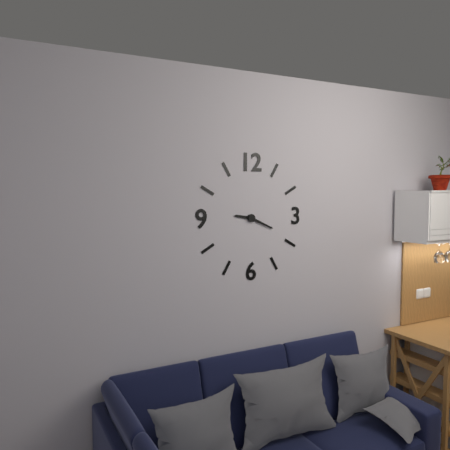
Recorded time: 9:19
